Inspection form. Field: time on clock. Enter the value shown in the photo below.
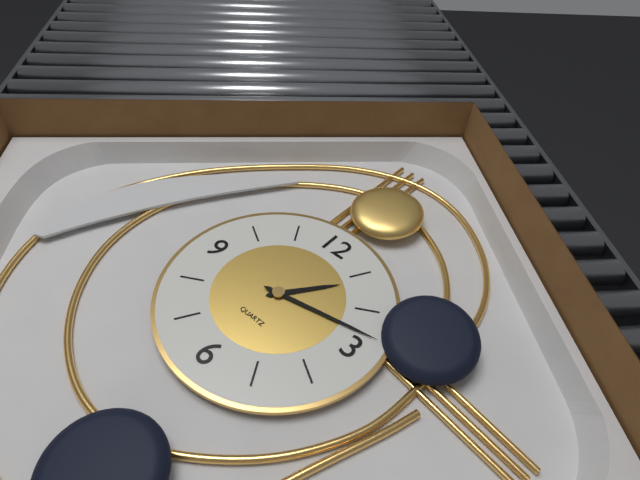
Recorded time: 1:13
